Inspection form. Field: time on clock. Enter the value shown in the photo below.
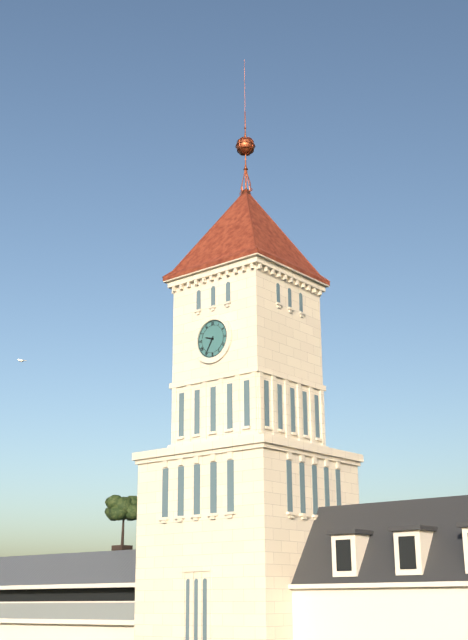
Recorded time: 9:35
